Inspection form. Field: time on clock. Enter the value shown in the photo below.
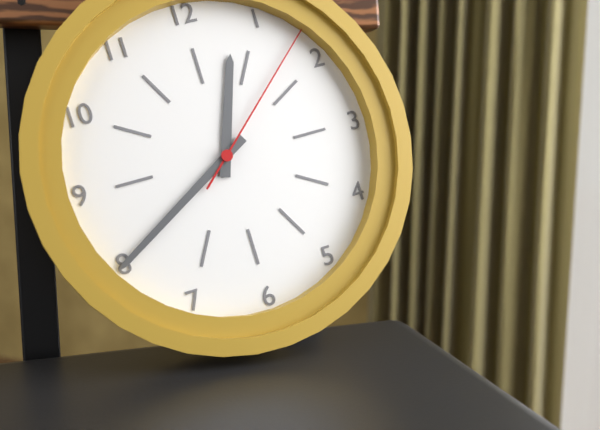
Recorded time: 12:40:08
